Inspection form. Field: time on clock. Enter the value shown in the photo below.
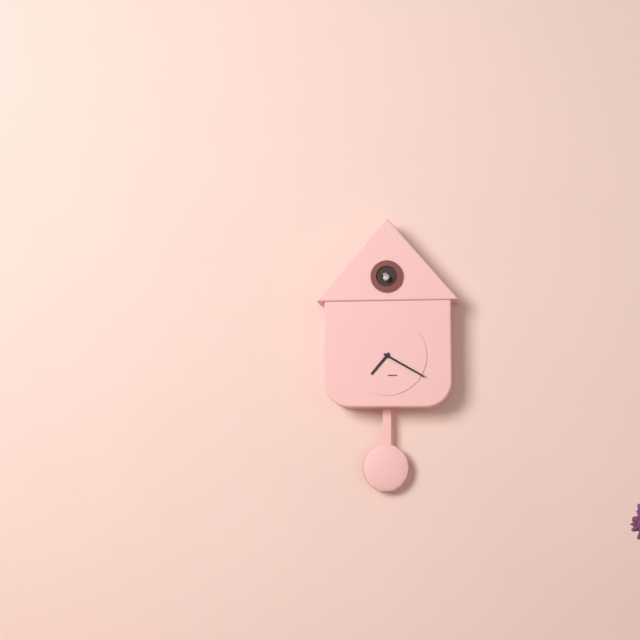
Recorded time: 7:20
